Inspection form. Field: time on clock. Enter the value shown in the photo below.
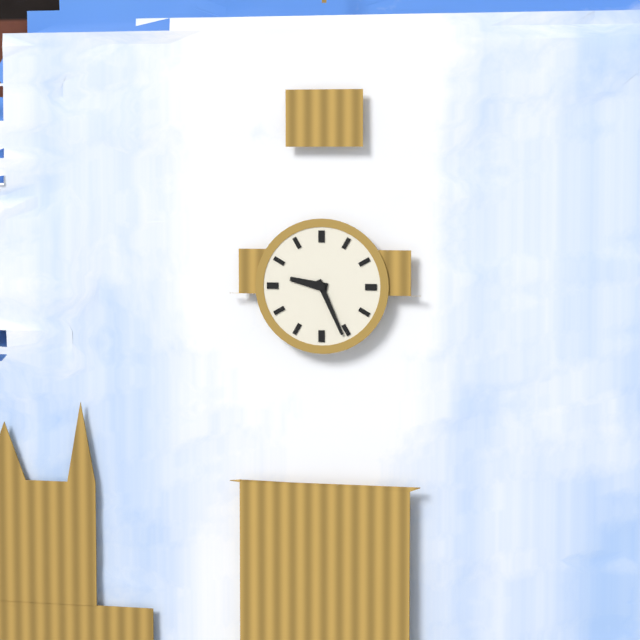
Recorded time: 9:26
